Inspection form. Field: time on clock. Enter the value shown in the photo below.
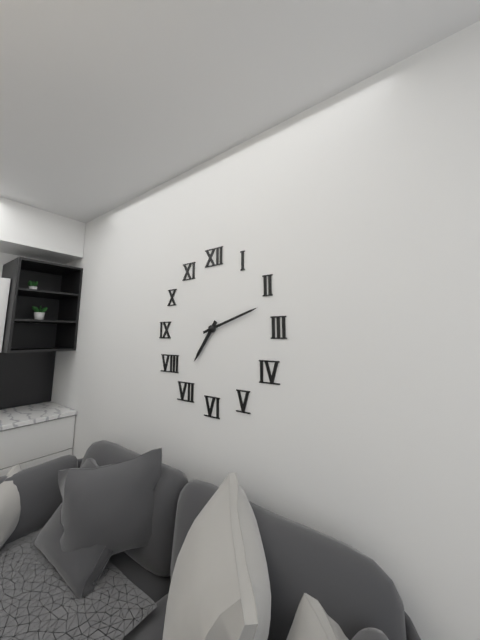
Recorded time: 7:12
